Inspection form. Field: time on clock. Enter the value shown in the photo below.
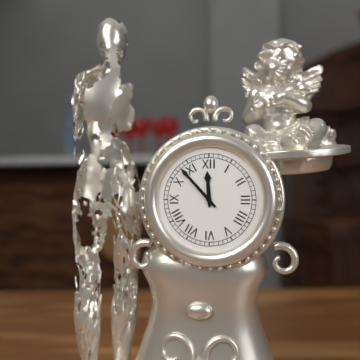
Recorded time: 11:53
